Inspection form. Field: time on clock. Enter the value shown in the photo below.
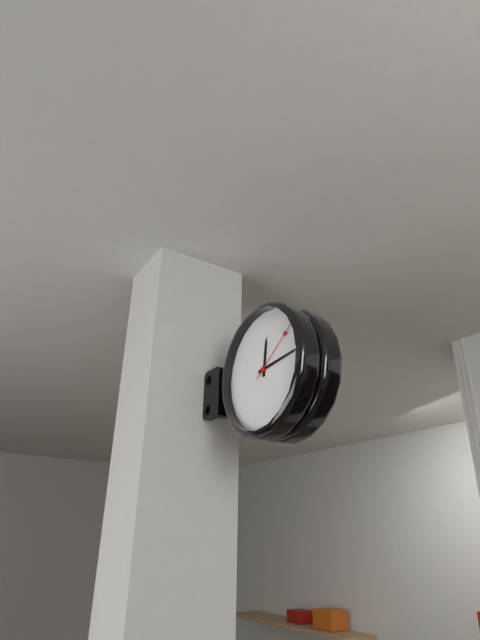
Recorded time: 12:14:09
